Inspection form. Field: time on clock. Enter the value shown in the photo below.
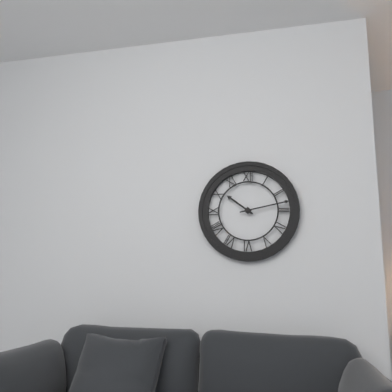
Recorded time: 10:13
